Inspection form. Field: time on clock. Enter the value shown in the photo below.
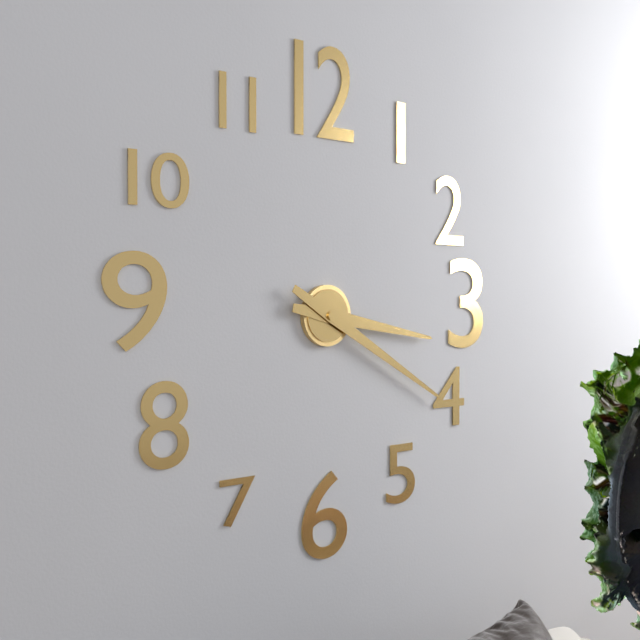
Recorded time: 3:20
